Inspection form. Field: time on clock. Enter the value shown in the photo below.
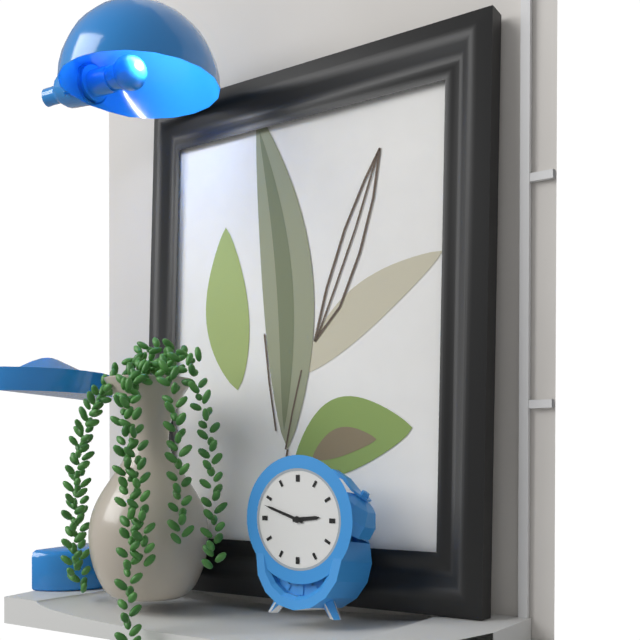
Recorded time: 2:48
